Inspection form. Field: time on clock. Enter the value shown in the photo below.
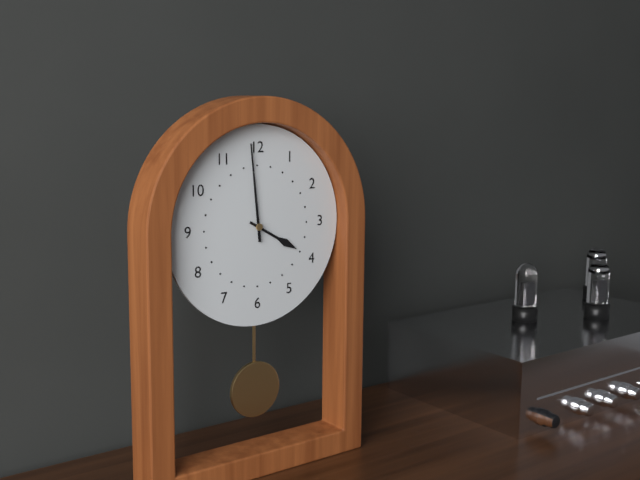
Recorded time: 3:59
